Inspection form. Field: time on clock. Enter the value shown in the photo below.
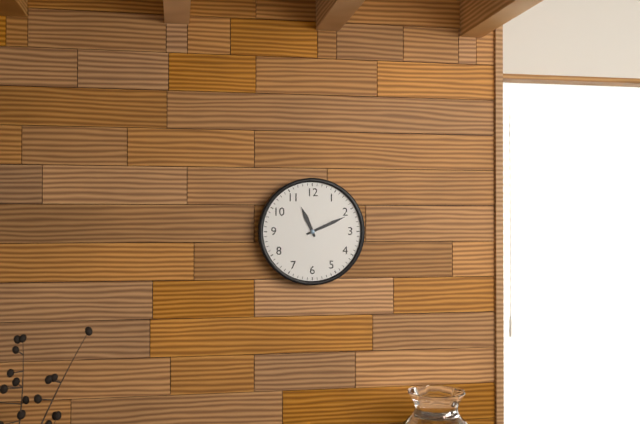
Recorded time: 11:11
